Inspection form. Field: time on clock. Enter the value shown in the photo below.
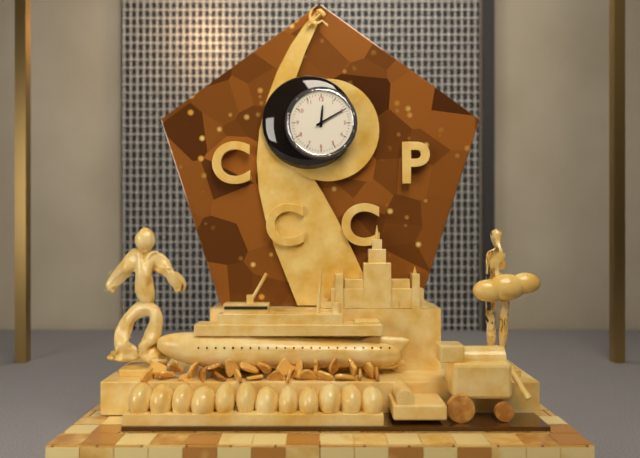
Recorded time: 12:10
